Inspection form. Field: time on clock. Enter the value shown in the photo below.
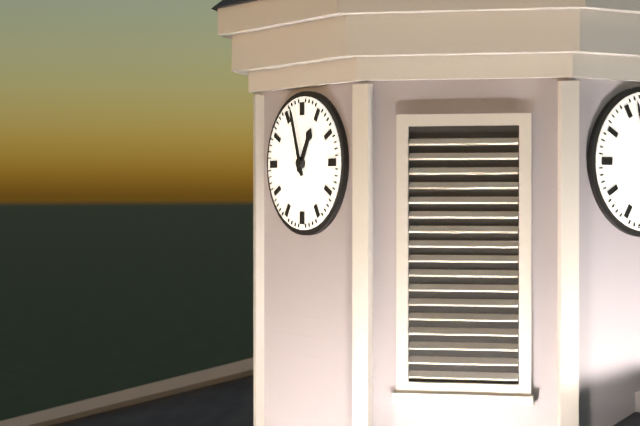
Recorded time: 12:57
